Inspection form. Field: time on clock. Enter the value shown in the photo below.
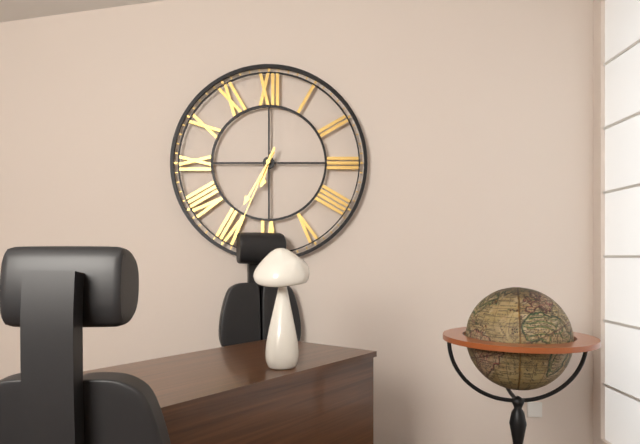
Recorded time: 6:35:34
